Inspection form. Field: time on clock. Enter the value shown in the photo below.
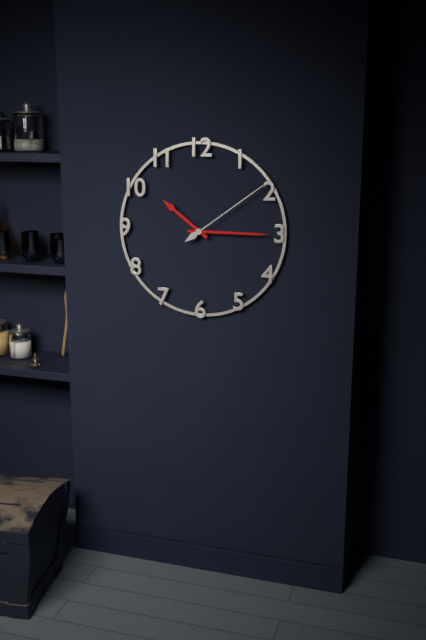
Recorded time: 10:15:09
